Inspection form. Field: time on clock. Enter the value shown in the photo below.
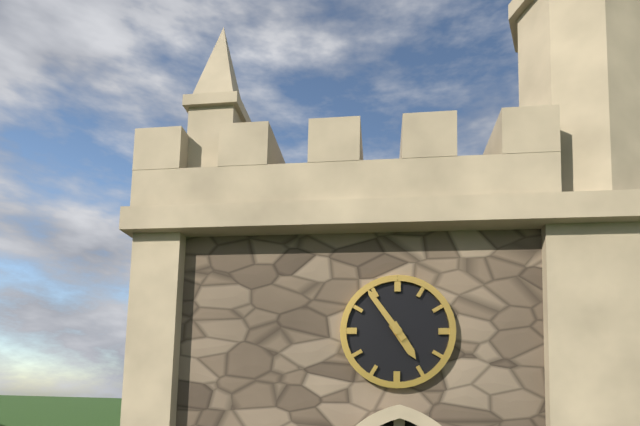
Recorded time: 4:54
